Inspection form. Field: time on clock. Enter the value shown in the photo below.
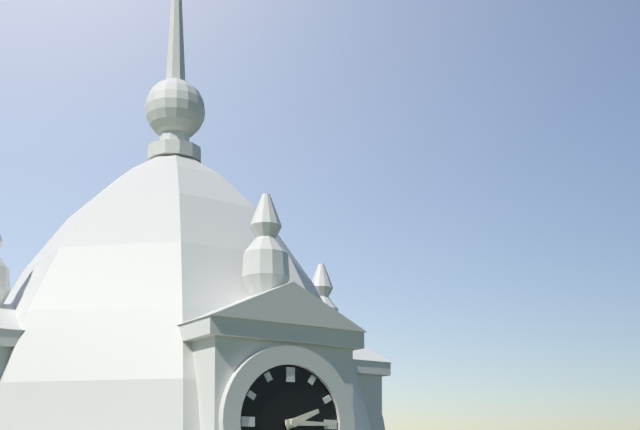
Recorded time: 2:15
